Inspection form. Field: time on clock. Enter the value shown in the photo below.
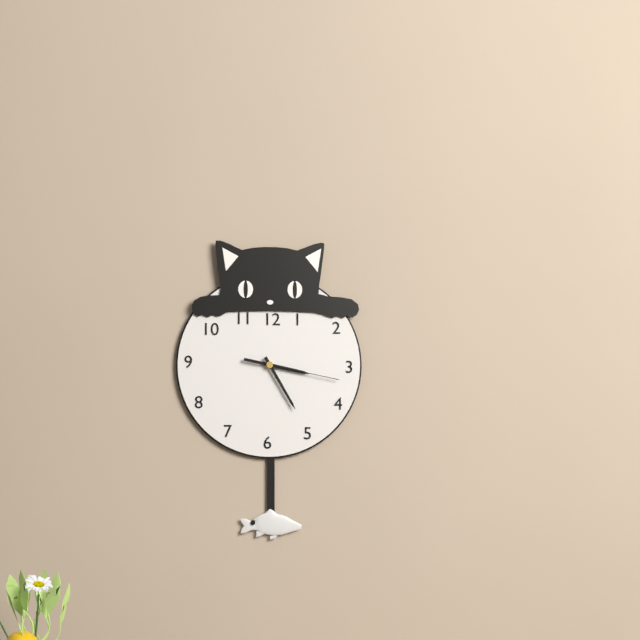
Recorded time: 3:25:17
